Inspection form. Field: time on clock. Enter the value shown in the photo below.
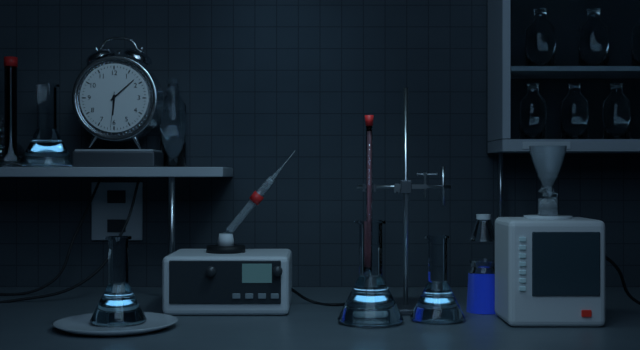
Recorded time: 6:08
